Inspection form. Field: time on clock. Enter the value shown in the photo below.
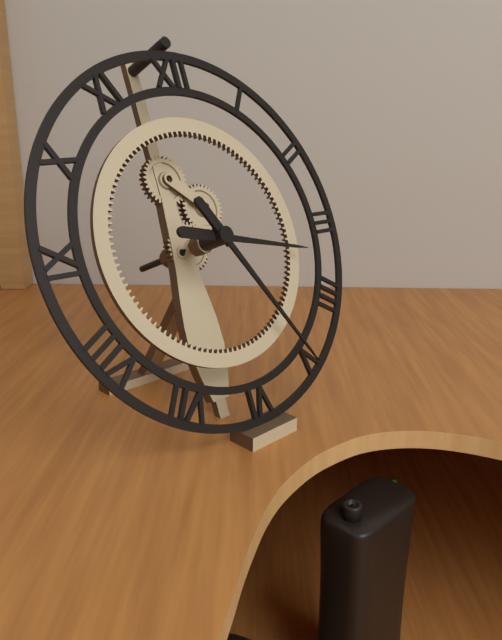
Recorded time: 3:25
